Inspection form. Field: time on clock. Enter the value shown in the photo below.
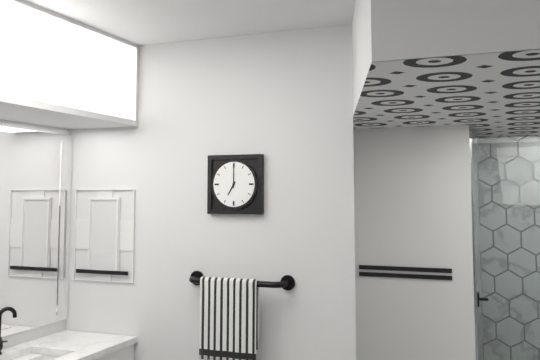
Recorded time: 7:00
